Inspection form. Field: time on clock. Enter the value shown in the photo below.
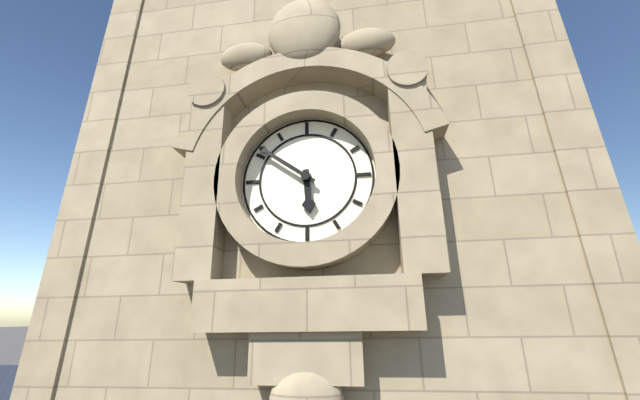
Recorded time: 5:51
